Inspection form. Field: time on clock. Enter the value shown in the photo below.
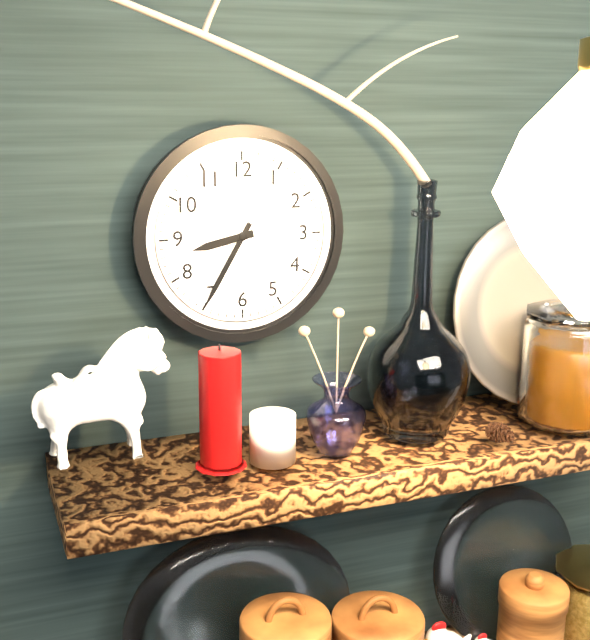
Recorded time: 8:35
